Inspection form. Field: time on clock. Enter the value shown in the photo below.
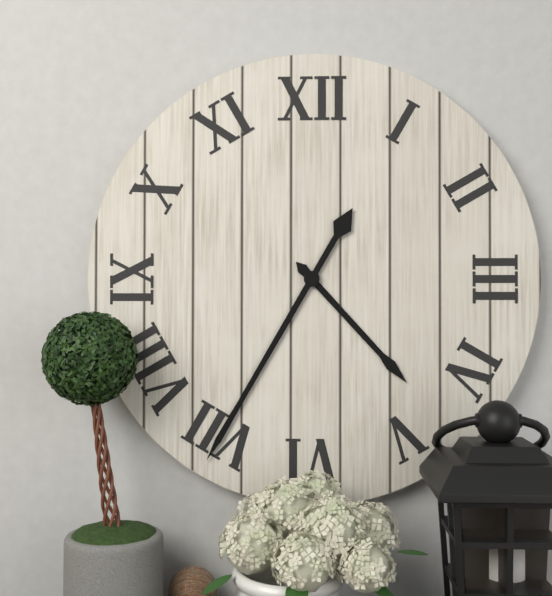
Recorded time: 4:35
